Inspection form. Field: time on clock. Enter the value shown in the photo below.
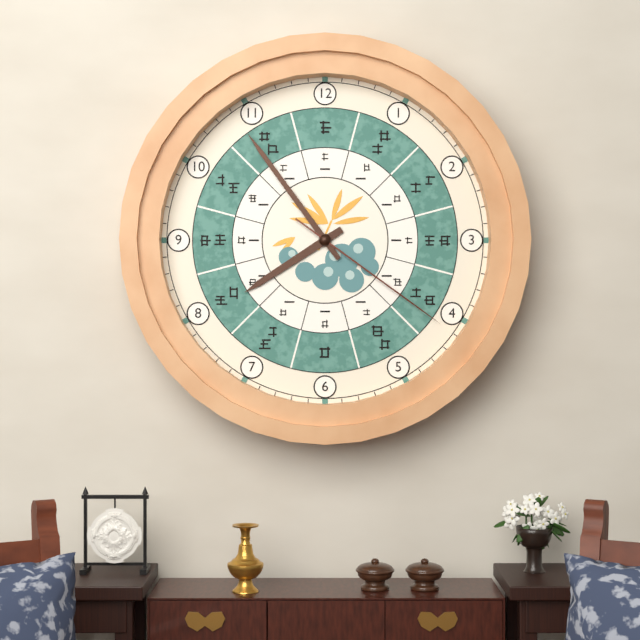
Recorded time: 7:54:21
